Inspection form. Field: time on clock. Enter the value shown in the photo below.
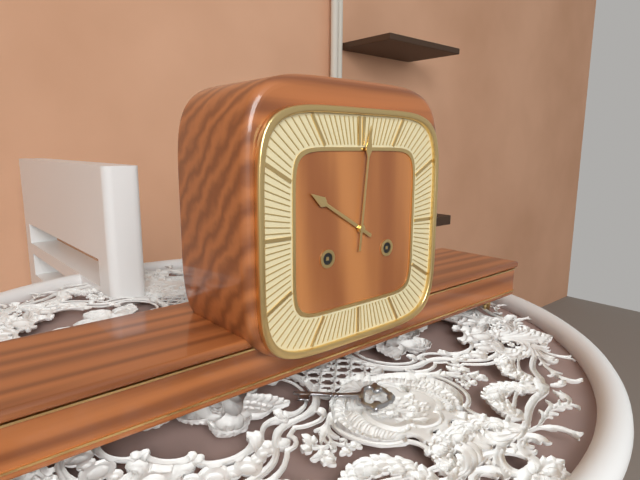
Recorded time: 10:01
